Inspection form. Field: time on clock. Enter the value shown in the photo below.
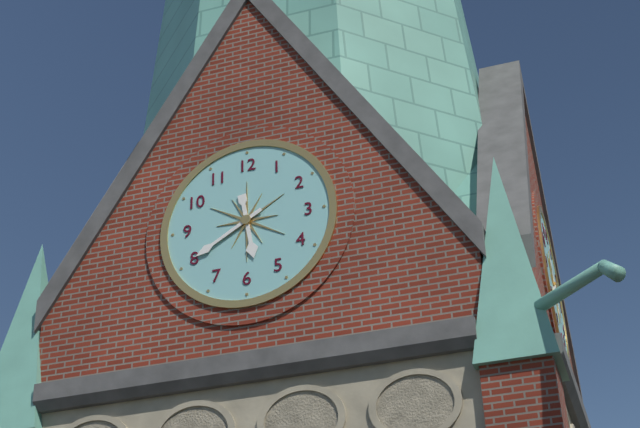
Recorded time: 5:40
